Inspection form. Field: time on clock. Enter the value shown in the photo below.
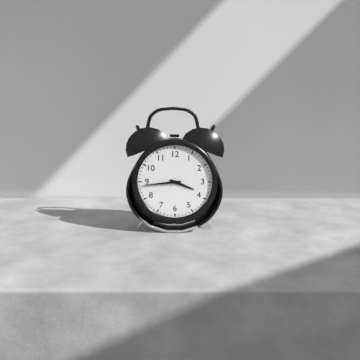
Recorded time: 3:44
